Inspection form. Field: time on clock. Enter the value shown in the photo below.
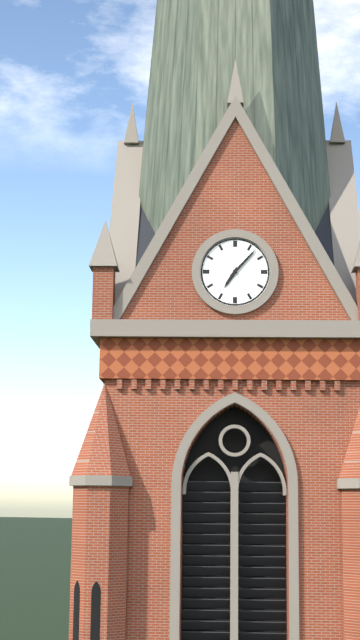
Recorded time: 7:07
